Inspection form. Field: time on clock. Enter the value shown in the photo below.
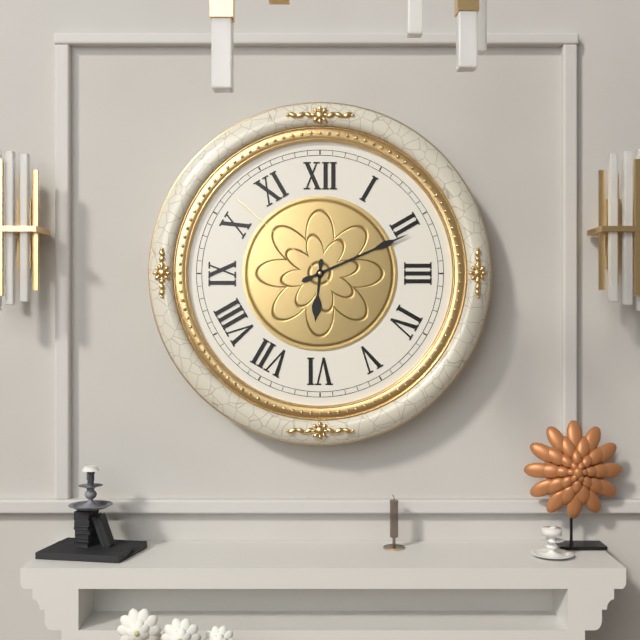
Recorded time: 6:11:52
